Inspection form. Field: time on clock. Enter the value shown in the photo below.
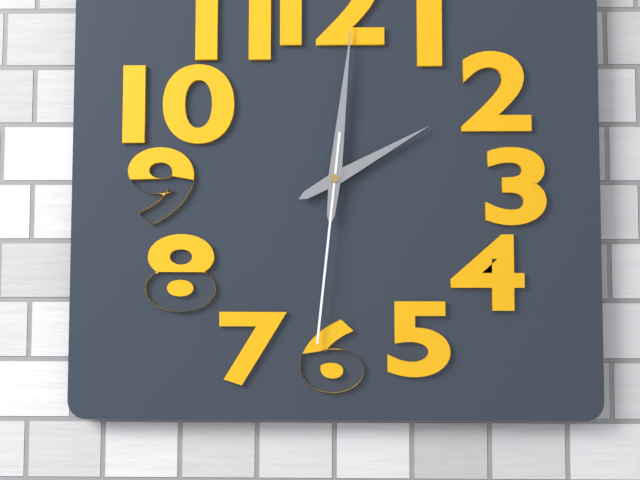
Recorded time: 2:01:31
